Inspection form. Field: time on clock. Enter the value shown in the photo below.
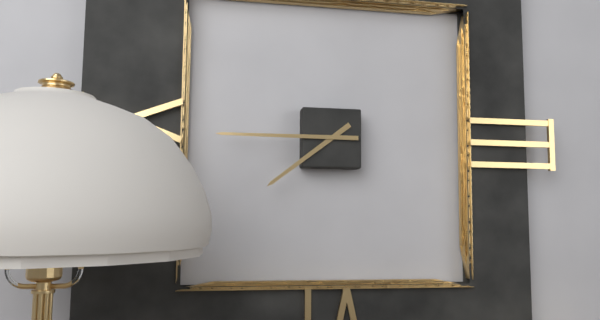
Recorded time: 7:45
